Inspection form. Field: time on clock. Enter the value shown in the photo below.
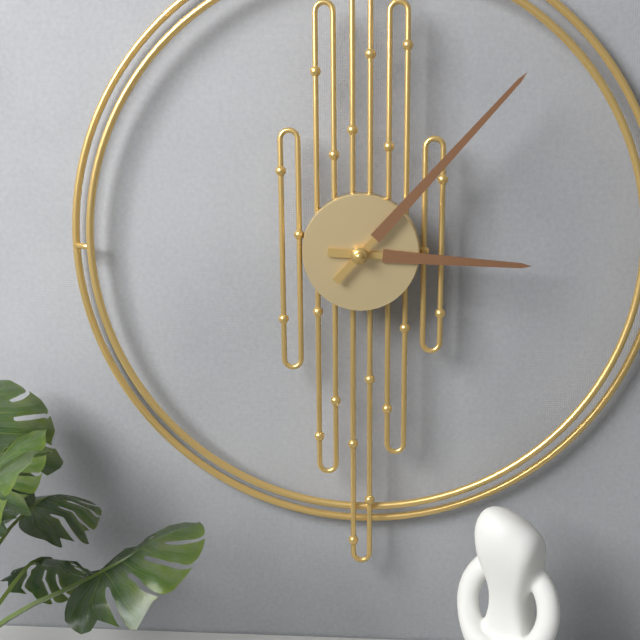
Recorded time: 3:07
